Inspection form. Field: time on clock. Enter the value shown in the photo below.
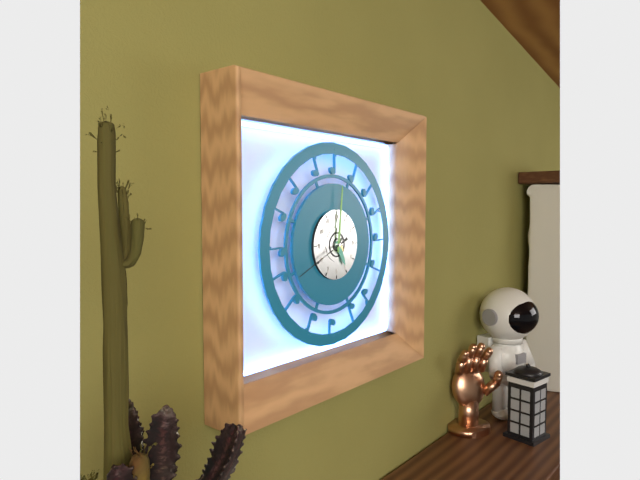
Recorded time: 5:01:41
